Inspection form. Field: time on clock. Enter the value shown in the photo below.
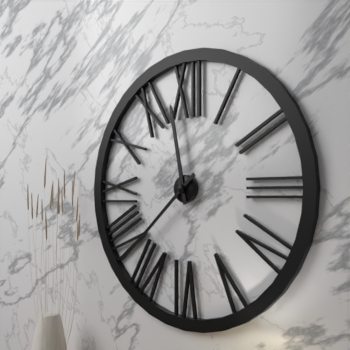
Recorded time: 11:38
